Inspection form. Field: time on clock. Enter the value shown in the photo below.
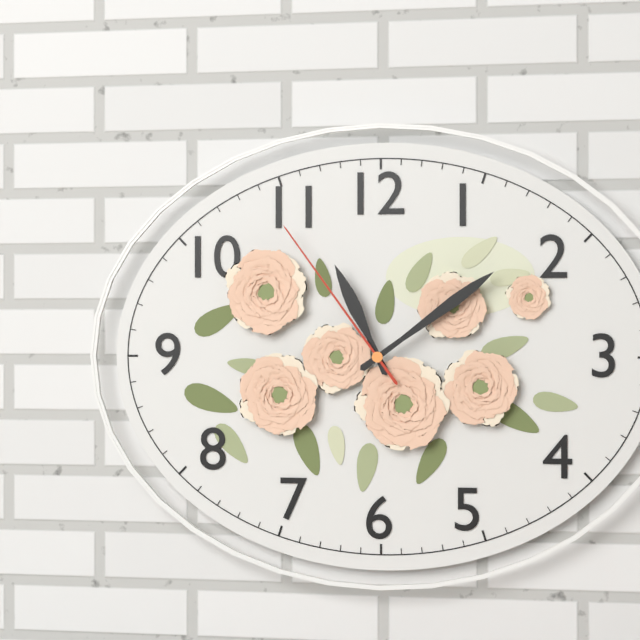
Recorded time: 11:09:54
